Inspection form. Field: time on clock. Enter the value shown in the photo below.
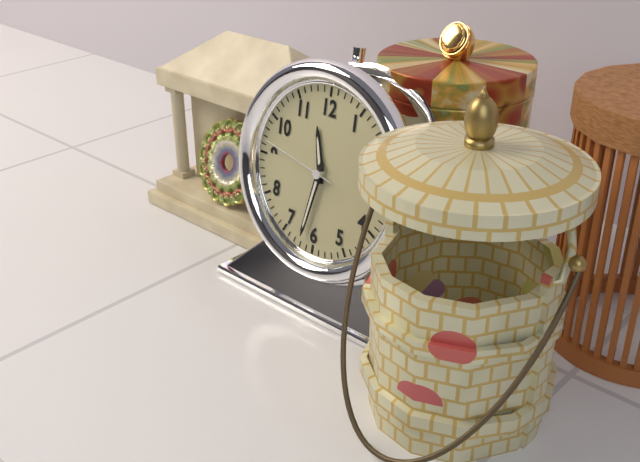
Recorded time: 11:32:47
